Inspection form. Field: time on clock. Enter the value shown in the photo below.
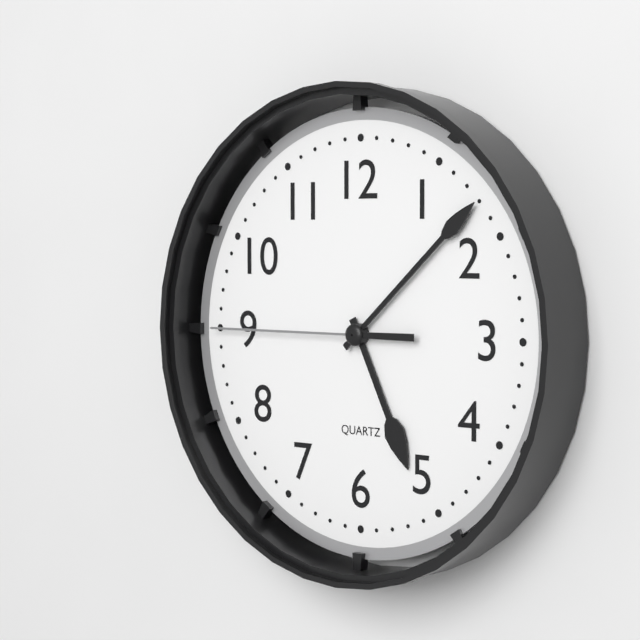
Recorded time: 5:08:45
